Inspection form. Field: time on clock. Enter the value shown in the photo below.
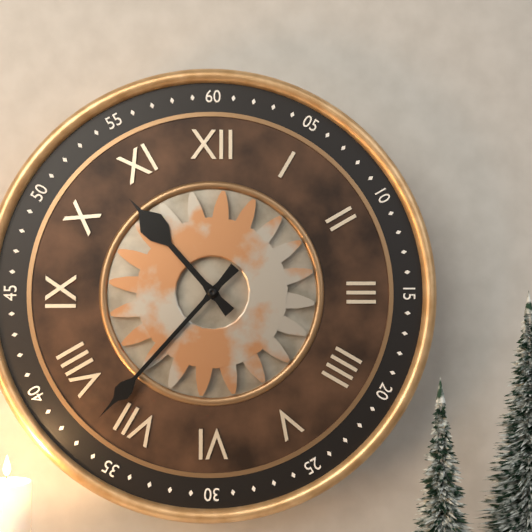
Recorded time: 10:37
